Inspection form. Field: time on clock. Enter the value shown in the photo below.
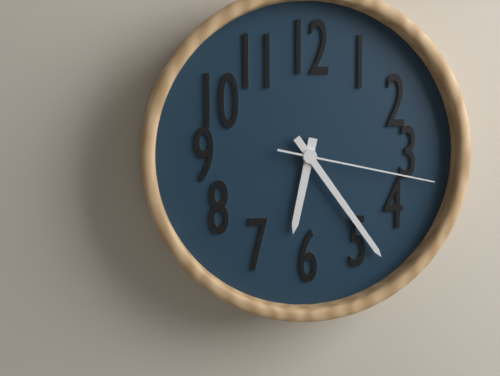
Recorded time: 6:24:17
